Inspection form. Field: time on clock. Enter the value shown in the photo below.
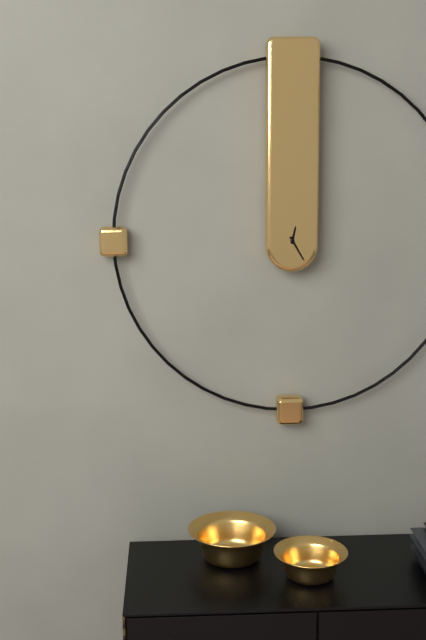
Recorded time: 12:25
